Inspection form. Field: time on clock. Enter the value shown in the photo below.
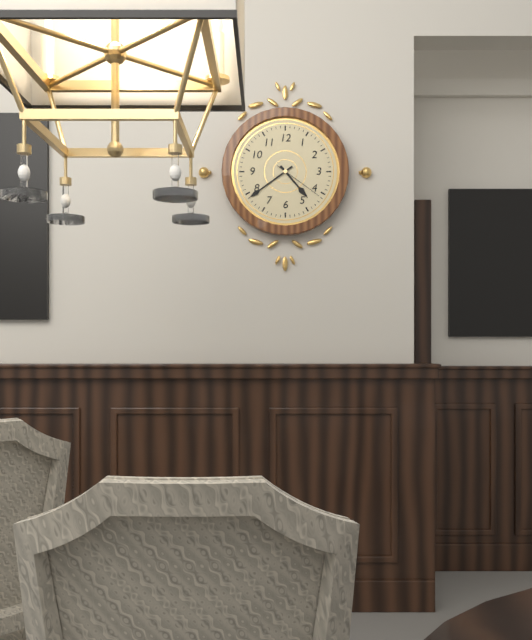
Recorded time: 4:39:21
